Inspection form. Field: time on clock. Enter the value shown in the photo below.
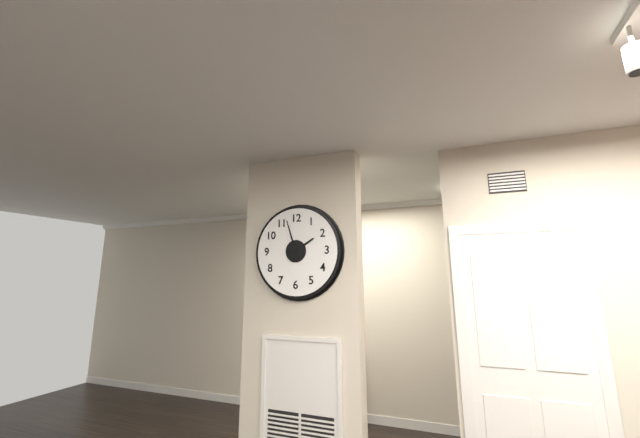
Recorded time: 1:57
